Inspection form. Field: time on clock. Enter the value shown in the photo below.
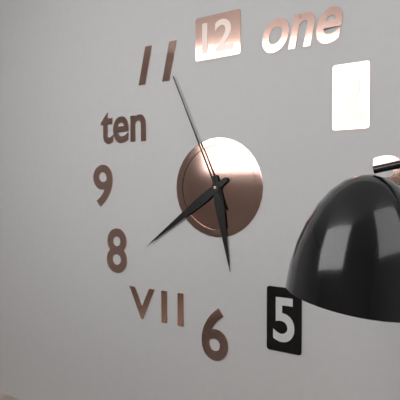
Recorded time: 5:39:56
